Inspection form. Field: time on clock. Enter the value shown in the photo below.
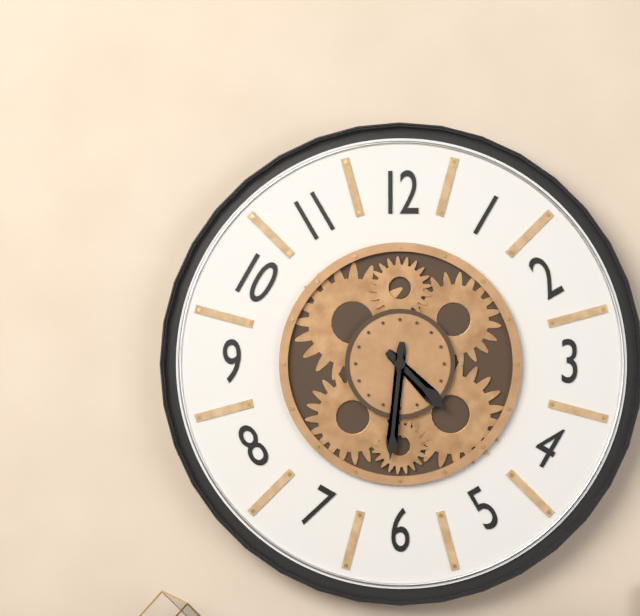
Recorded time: 4:31
